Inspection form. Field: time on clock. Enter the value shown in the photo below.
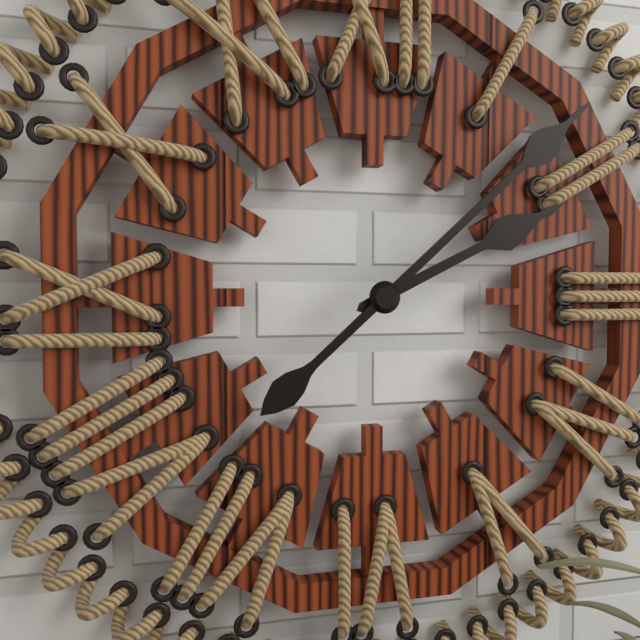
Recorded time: 2:08
